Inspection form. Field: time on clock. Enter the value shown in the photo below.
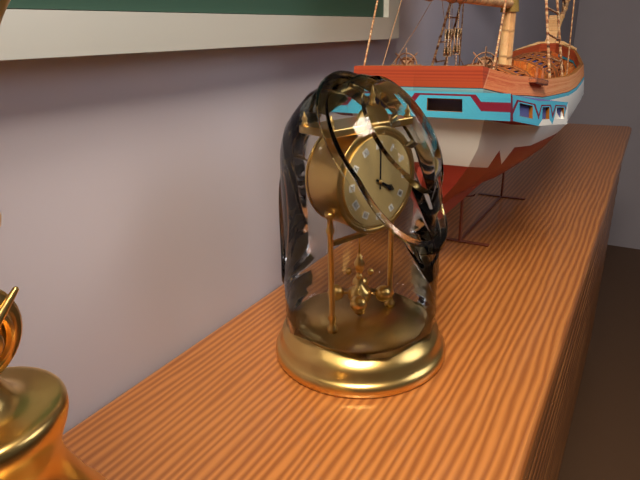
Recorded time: 4:00
